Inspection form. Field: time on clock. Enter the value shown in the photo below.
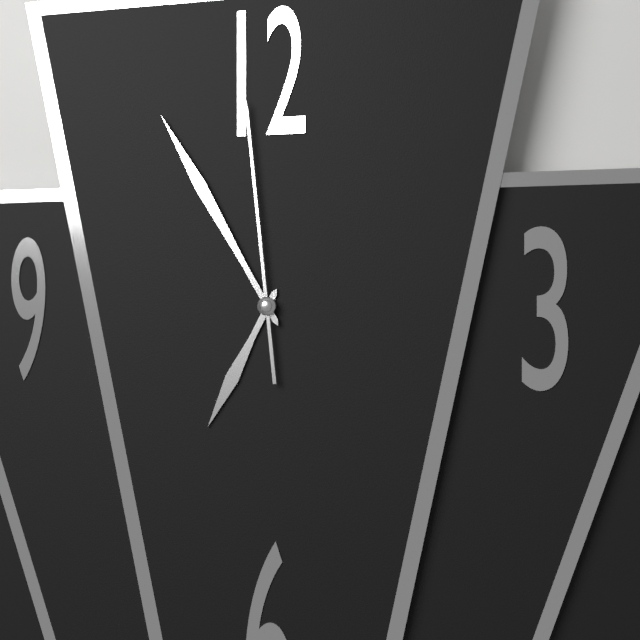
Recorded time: 6:55:59
